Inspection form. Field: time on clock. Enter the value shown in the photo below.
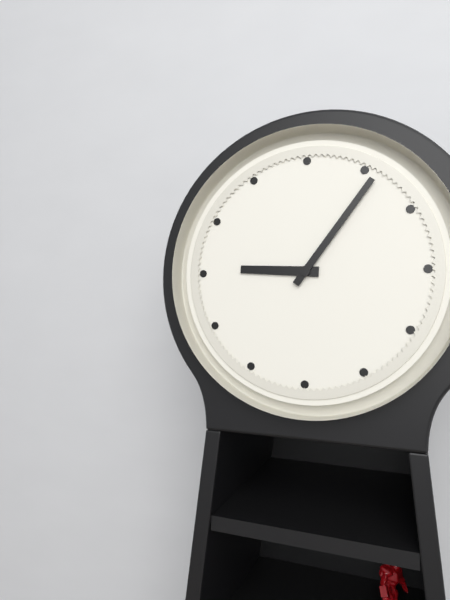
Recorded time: 9:06
